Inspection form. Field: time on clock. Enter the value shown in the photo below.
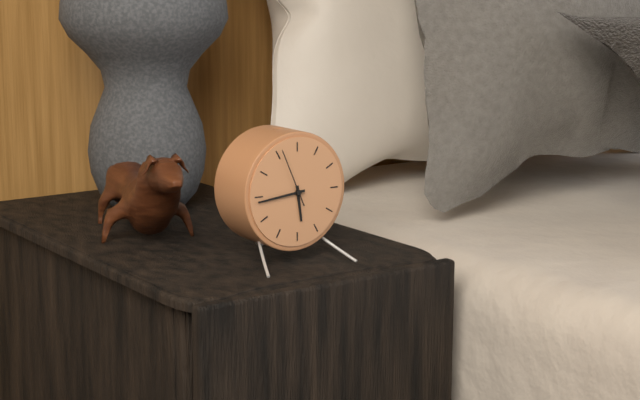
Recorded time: 5:44:56
